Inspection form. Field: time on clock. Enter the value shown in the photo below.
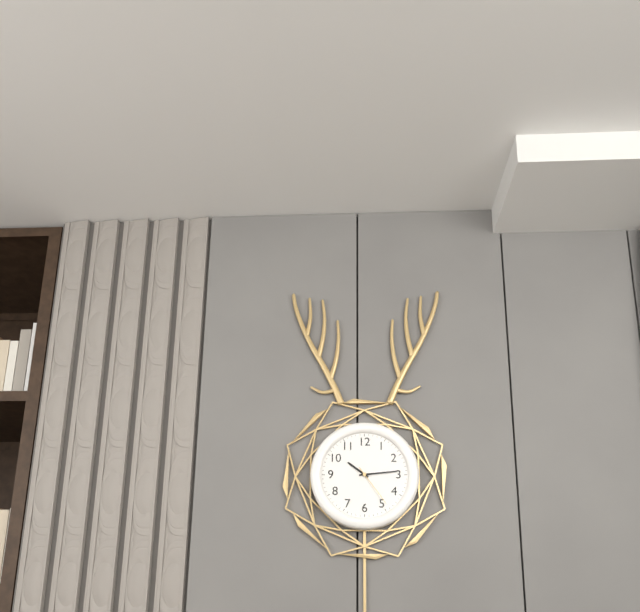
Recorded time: 10:14
